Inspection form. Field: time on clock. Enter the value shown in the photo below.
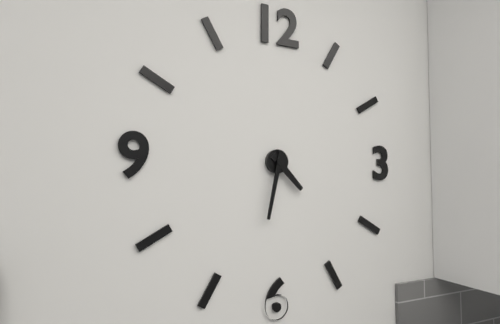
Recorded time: 4:32
